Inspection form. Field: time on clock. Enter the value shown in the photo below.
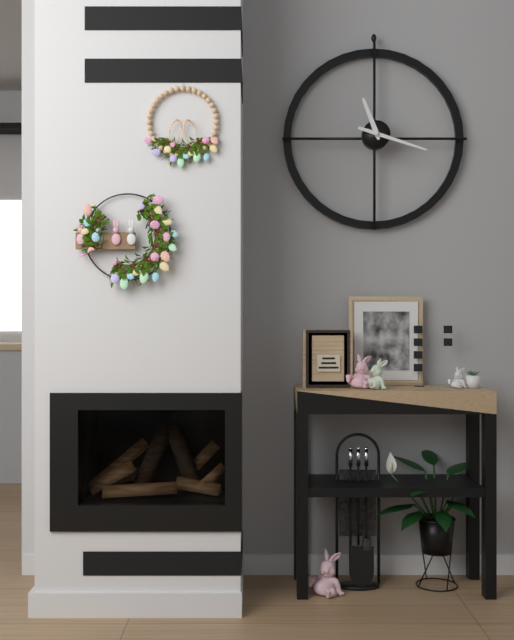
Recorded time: 11:18
